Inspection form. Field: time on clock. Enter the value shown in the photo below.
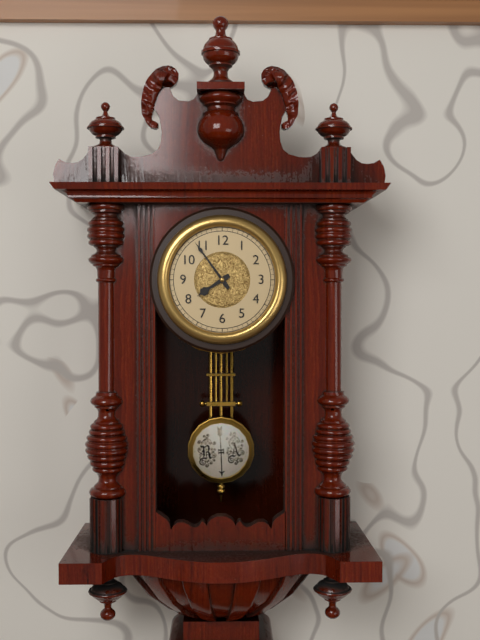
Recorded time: 7:54
